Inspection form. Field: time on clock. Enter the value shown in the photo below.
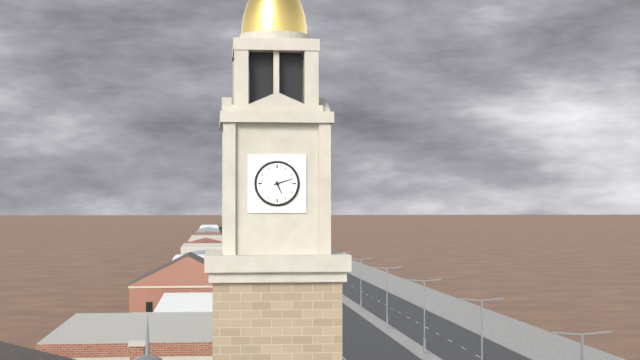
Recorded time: 5:12
